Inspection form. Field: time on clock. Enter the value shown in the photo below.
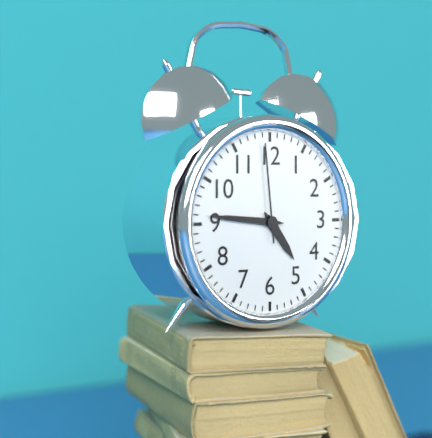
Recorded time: 4:46:59
